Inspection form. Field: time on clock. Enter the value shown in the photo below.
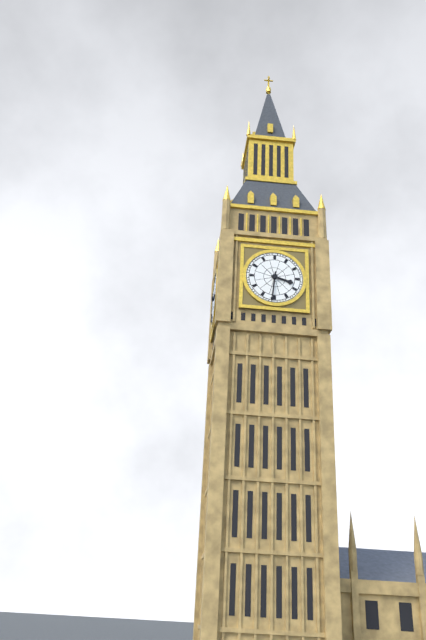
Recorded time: 3:31
